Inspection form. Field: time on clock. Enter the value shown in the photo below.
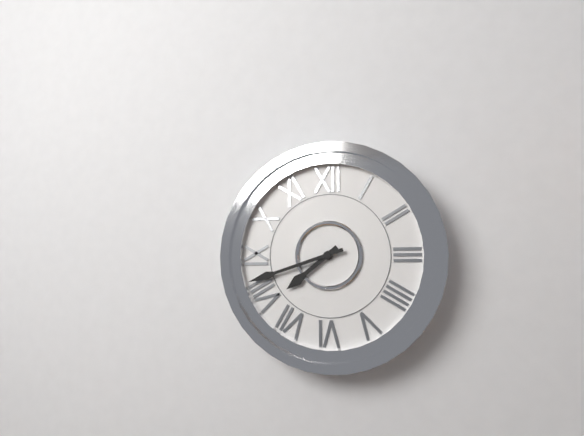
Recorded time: 7:42
